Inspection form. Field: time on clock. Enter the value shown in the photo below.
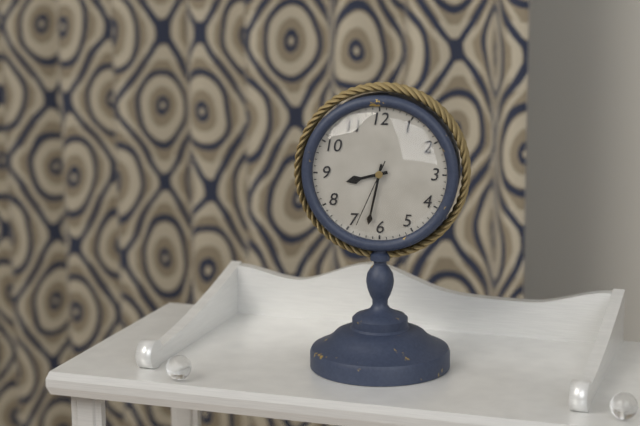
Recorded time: 8:32:34
